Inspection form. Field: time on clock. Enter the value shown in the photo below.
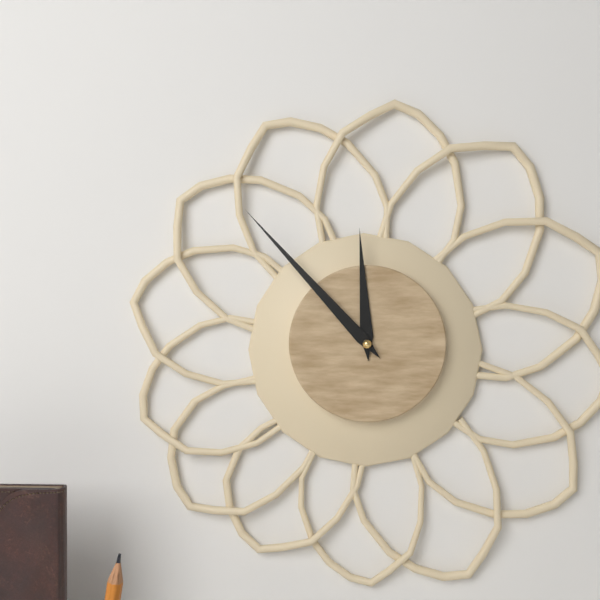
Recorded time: 11:53
